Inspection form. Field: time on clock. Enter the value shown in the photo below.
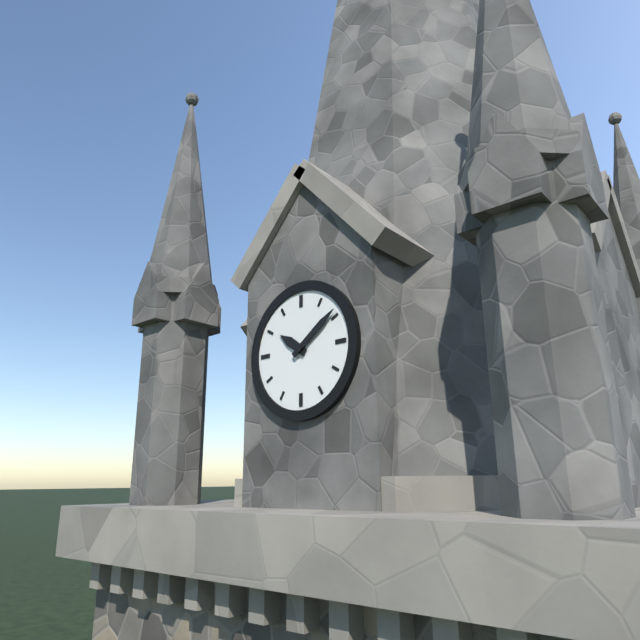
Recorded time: 10:09
